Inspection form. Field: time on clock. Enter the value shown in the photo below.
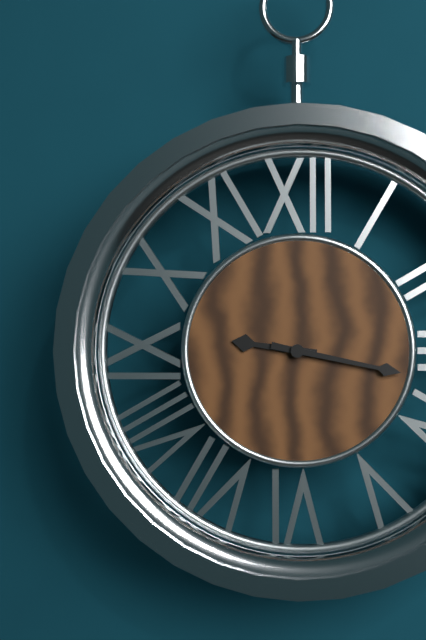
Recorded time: 9:17
